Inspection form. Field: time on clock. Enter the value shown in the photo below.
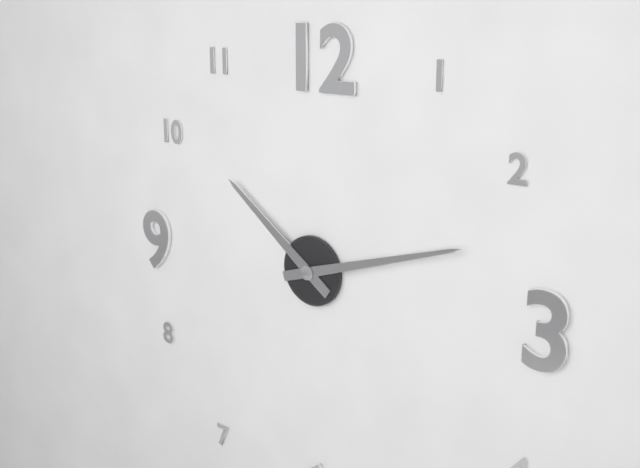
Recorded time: 10:12
